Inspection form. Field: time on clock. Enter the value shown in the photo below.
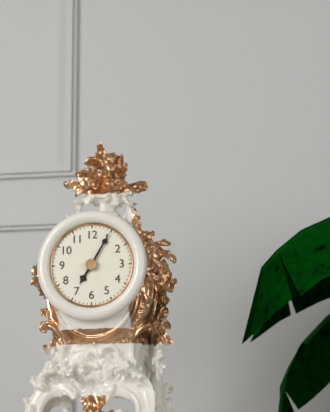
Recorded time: 7:05
